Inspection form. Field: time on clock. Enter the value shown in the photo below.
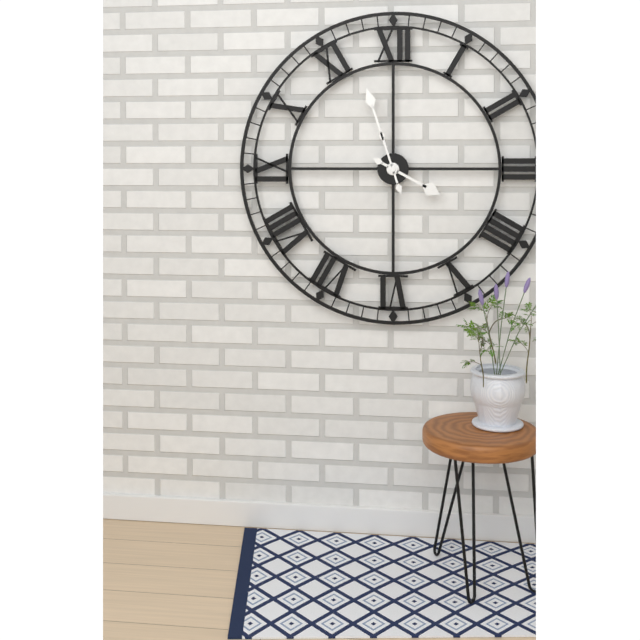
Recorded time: 3:57
